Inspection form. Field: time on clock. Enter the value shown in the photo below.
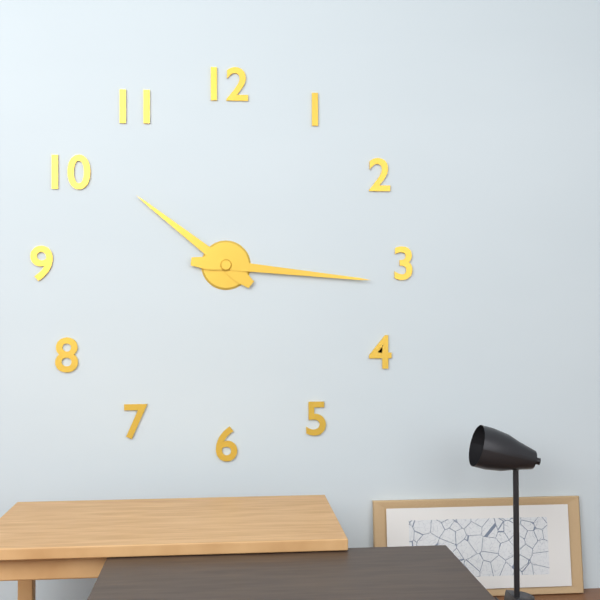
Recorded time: 10:16
